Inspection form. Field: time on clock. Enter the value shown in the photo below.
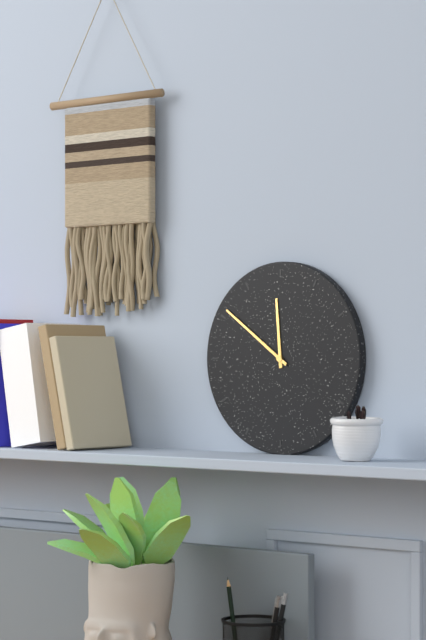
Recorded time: 11:51
